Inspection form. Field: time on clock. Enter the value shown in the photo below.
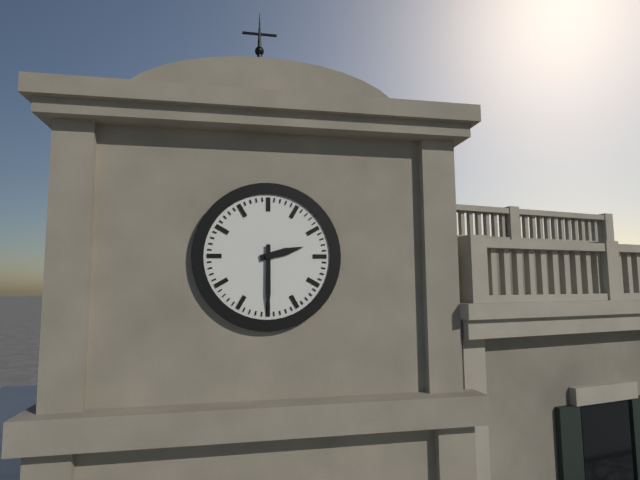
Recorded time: 2:30
